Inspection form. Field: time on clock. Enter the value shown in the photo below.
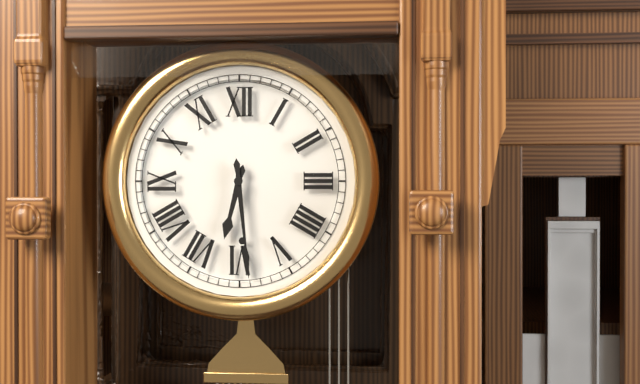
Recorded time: 6:29
